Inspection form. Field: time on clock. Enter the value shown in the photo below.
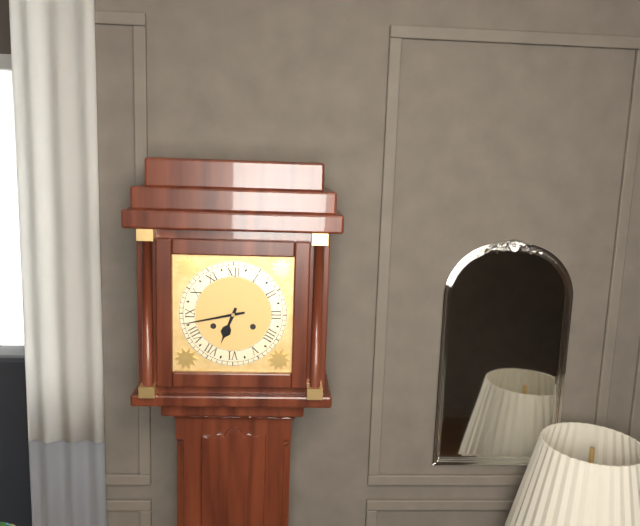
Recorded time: 6:43
